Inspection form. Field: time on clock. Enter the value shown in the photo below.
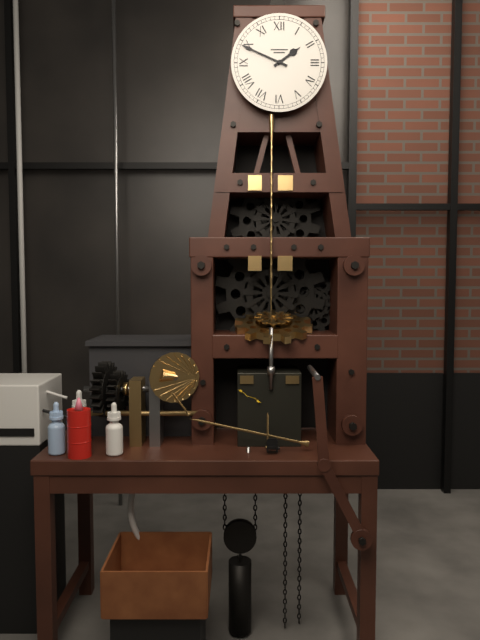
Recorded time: 1:49
